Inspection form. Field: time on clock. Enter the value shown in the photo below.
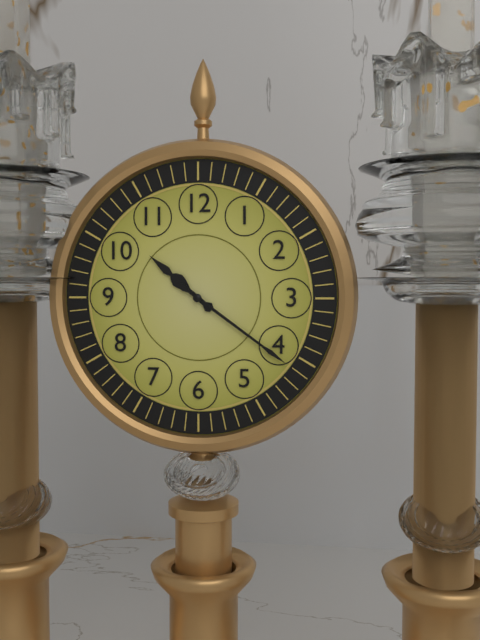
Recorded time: 10:21
